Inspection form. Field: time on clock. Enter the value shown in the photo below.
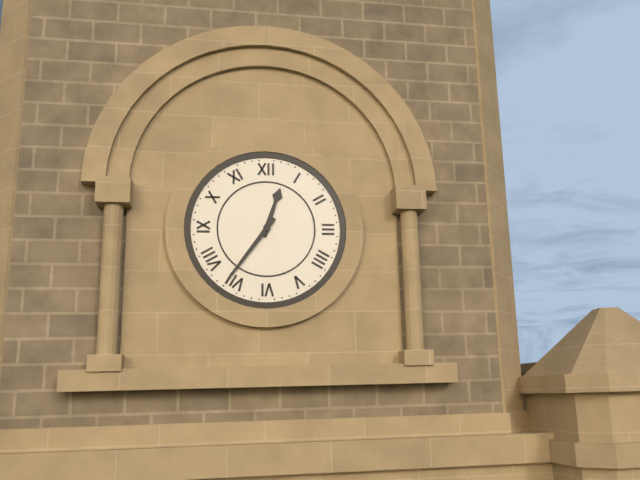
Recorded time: 12:36
